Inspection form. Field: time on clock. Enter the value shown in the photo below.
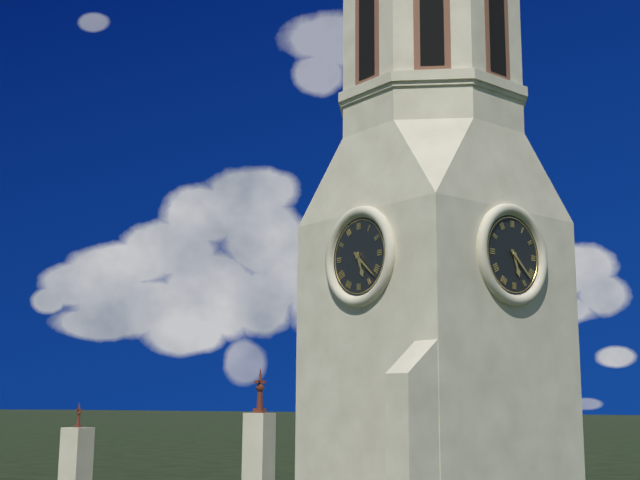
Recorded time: 5:22
